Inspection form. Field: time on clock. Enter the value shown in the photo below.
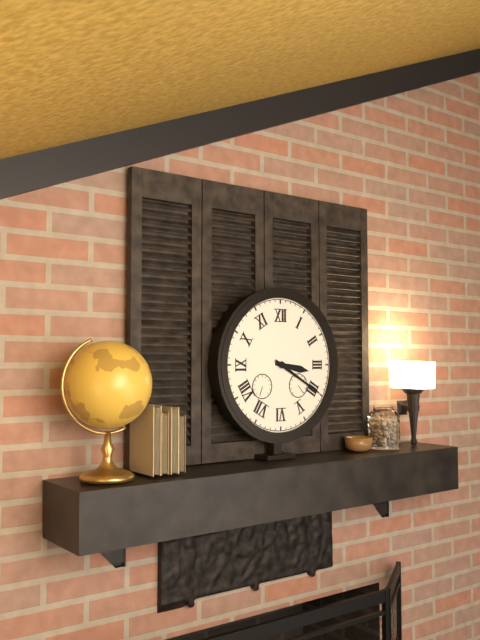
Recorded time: 3:20
